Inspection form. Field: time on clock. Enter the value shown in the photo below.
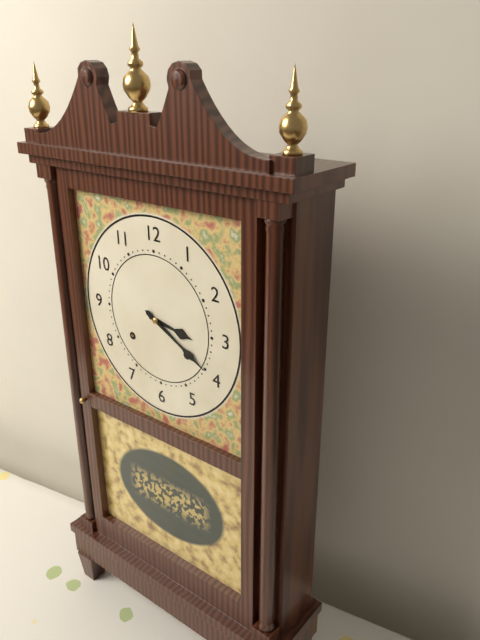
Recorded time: 3:20
